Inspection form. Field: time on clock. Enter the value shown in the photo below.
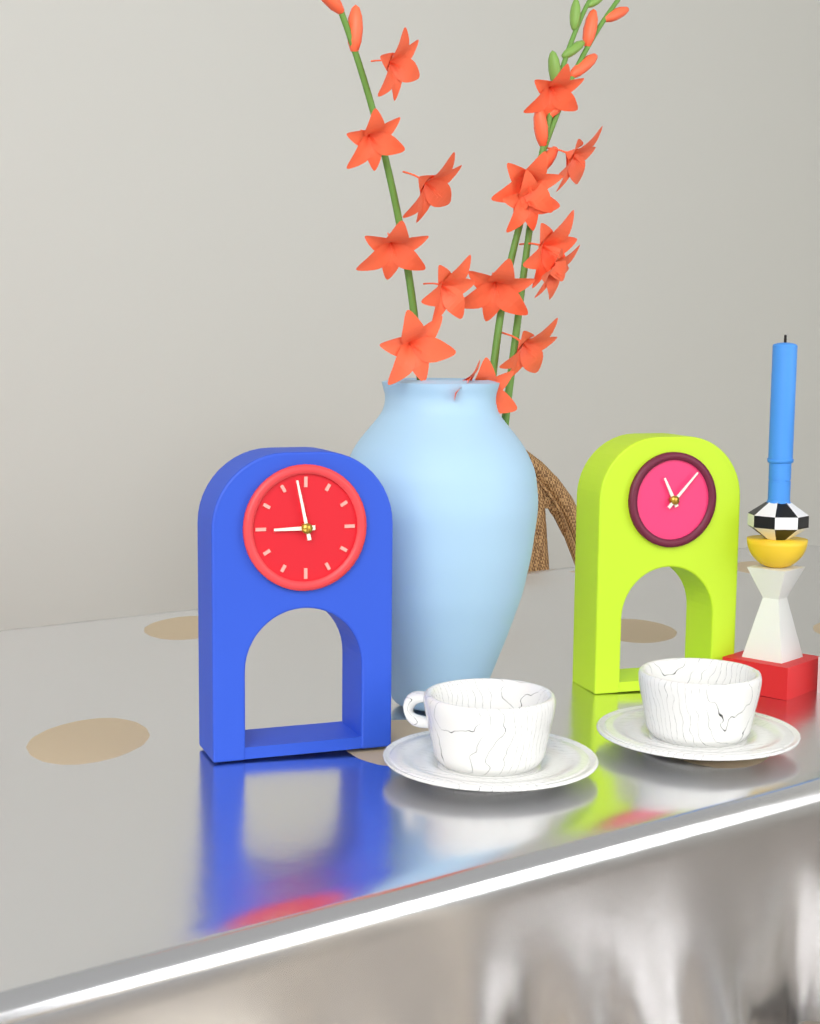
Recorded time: 8:58
